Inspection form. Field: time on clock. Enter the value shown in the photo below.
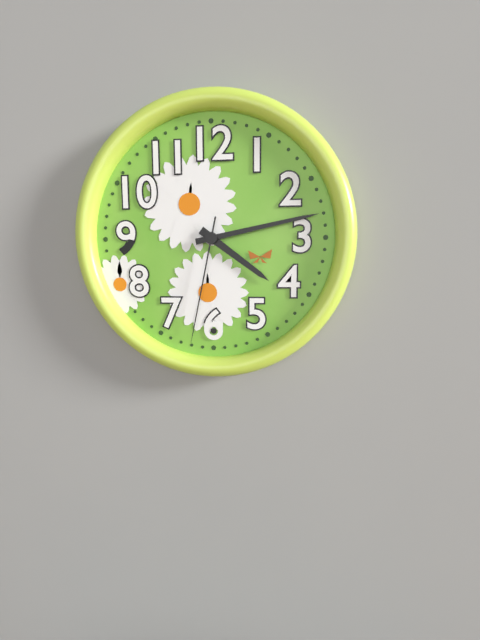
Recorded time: 4:13:32
